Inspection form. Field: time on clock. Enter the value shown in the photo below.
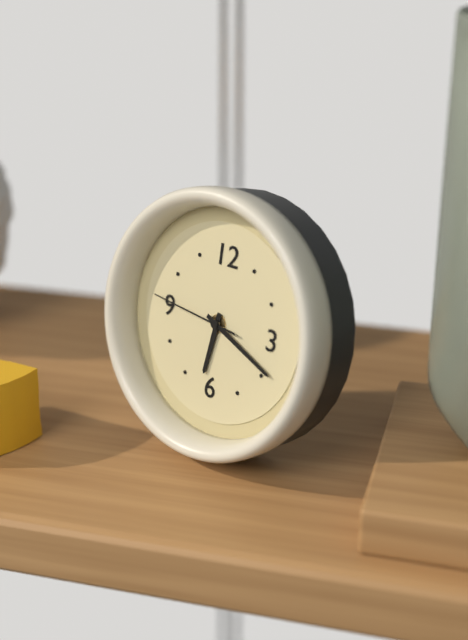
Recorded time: 6:19:46
